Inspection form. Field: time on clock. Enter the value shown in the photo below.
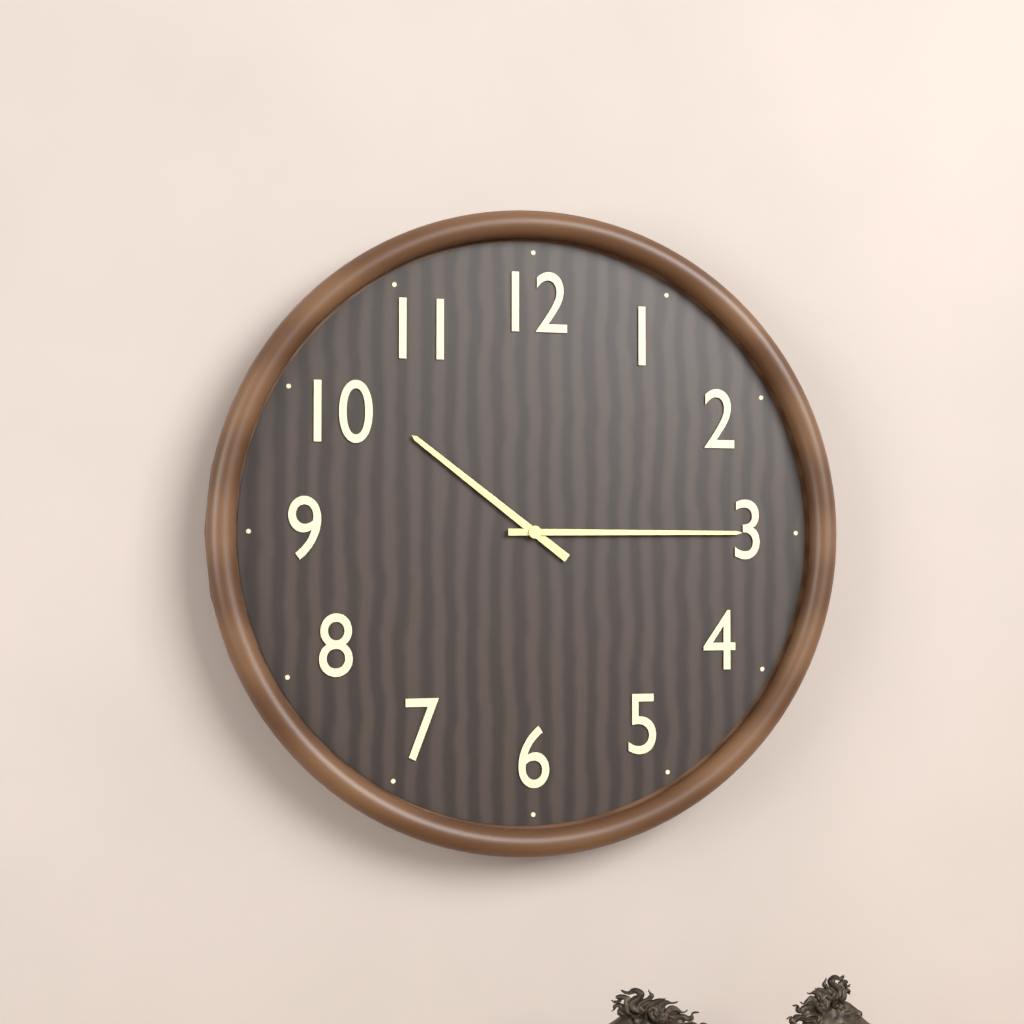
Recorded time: 10:15
